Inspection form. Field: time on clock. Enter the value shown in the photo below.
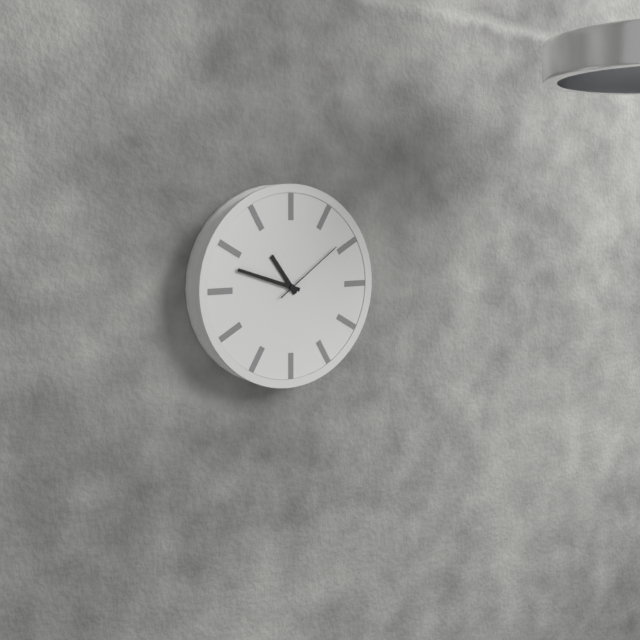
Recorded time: 10:48:09
